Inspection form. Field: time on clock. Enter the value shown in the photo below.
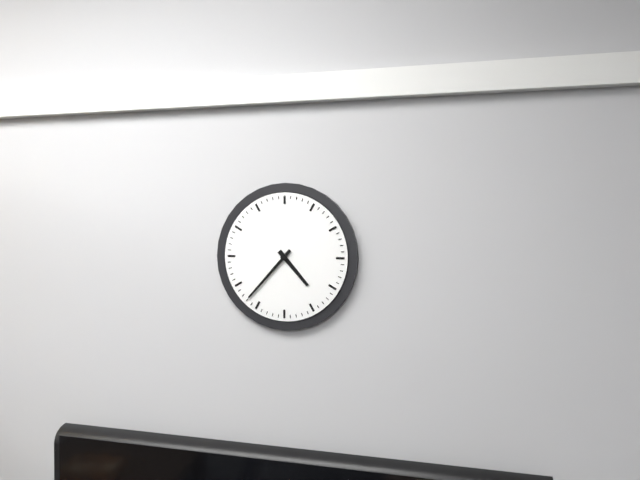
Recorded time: 4:37
